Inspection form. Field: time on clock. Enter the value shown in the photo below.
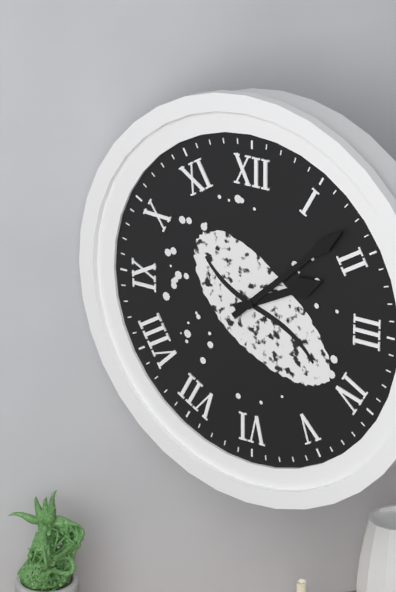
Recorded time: 2:08
